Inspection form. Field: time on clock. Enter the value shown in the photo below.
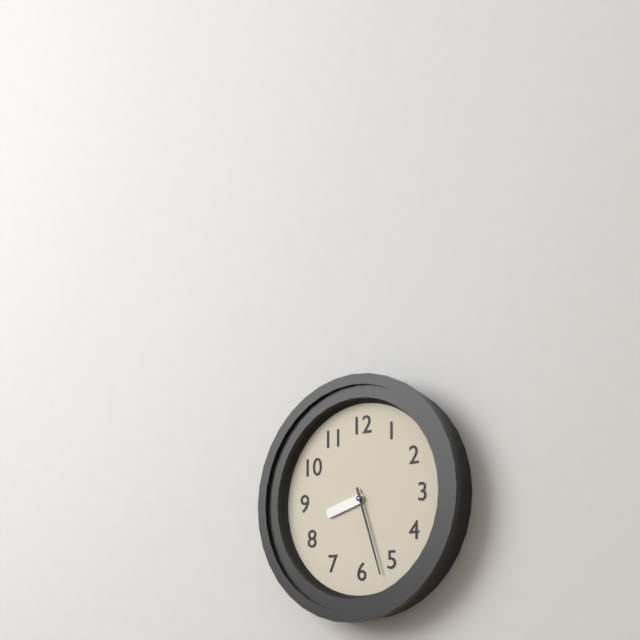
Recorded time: 8:27
